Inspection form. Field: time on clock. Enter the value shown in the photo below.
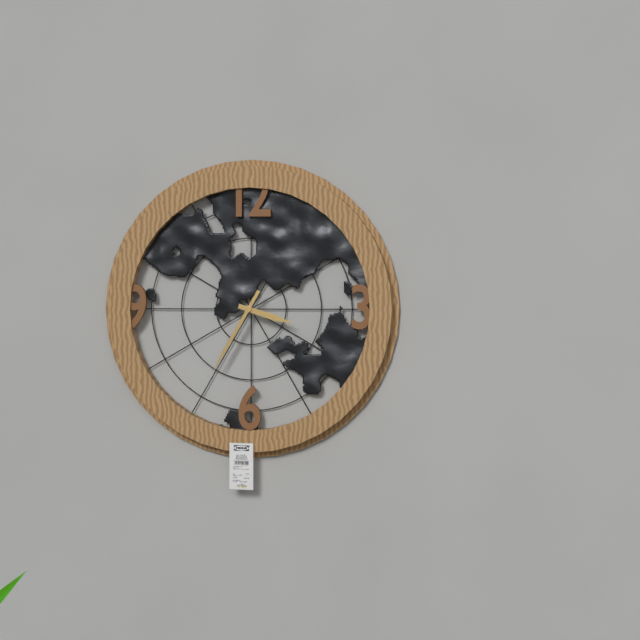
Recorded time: 3:35
